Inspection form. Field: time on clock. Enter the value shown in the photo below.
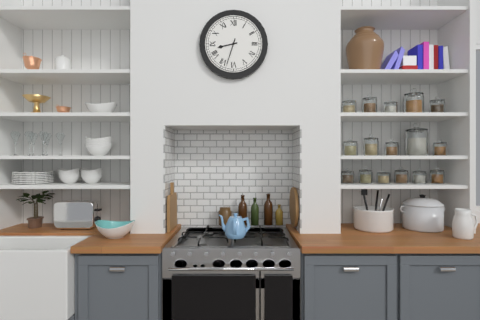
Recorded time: 8:33
